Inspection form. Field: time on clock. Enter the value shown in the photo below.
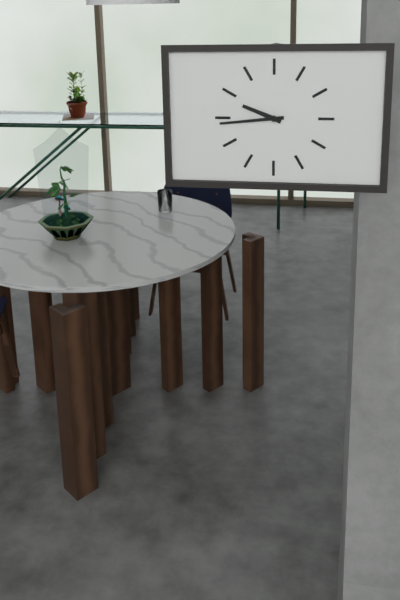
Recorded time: 9:44
